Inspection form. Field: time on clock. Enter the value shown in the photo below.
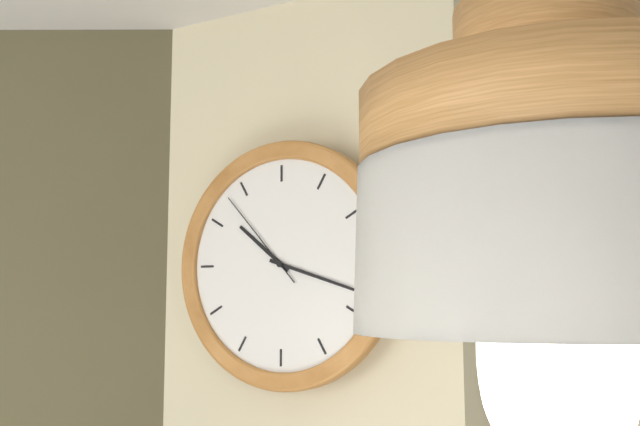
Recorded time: 10:18:53
